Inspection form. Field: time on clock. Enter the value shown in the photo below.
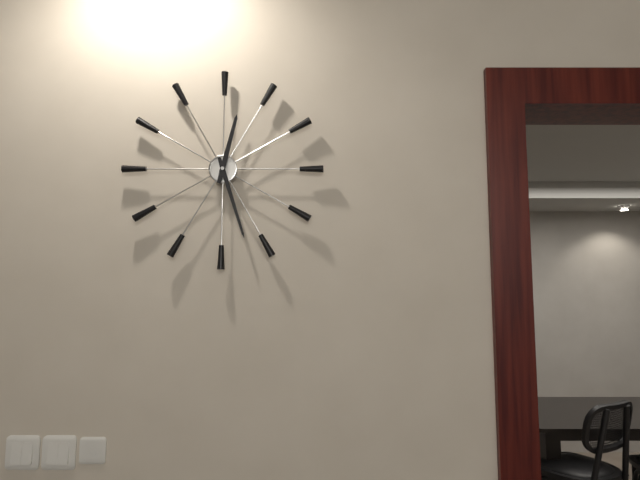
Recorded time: 12:27
